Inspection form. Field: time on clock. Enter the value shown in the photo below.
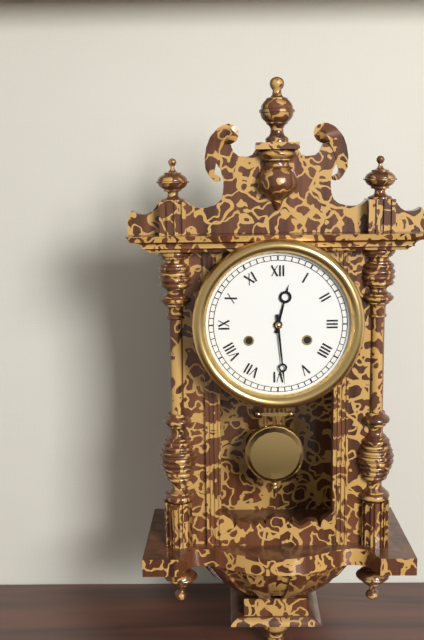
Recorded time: 12:29
